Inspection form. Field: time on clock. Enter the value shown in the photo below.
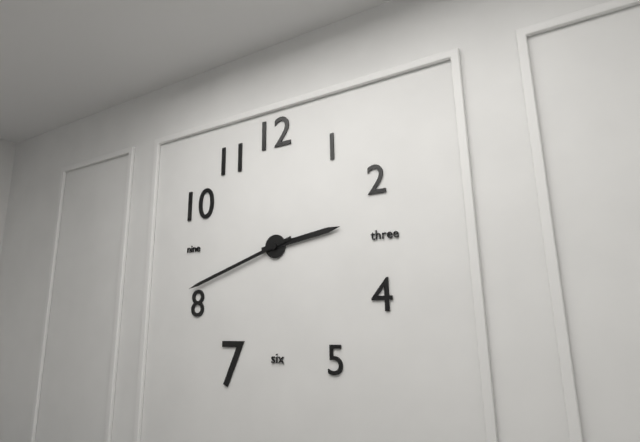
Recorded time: 2:42
